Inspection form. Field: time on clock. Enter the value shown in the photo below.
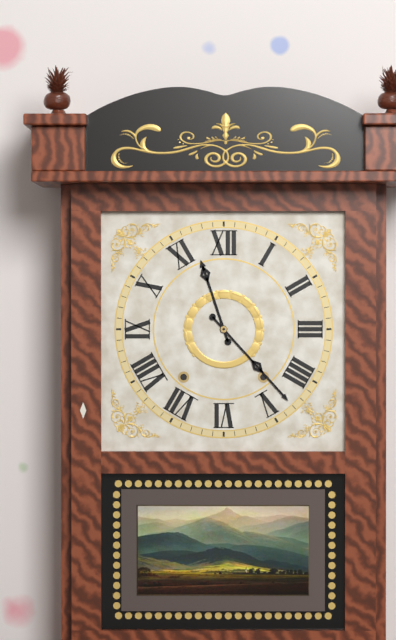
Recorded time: 11:23
